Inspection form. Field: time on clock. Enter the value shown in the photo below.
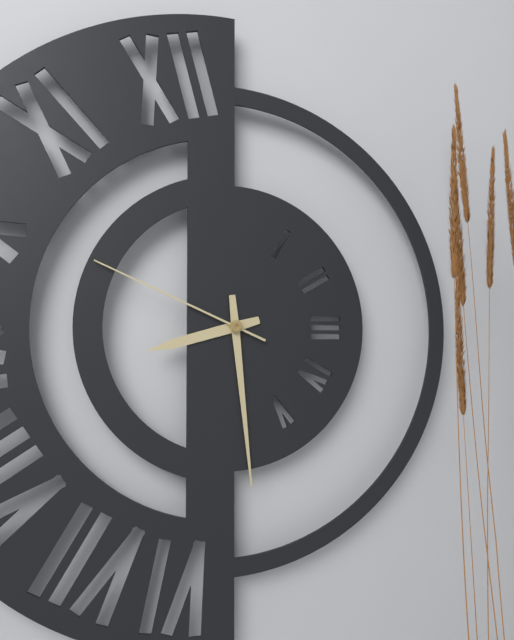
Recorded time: 8:29:49
